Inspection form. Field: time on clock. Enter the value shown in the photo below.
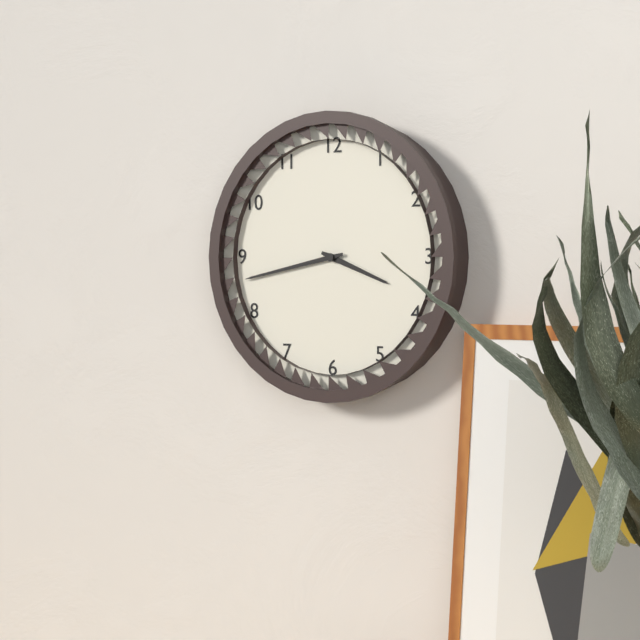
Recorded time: 3:43
